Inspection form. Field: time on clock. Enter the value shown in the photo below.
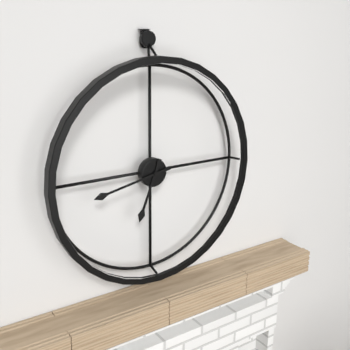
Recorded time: 6:43
